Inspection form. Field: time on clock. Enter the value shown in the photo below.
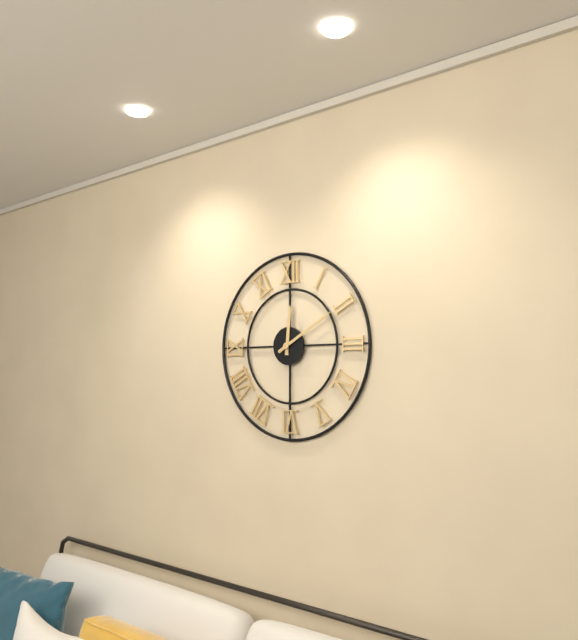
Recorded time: 12:10
